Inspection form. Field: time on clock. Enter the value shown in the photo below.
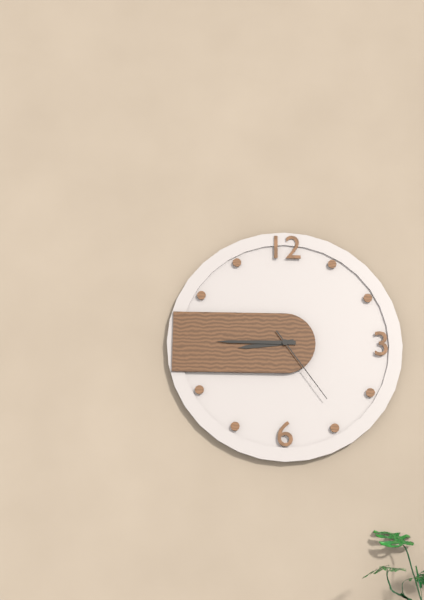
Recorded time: 8:45:24
